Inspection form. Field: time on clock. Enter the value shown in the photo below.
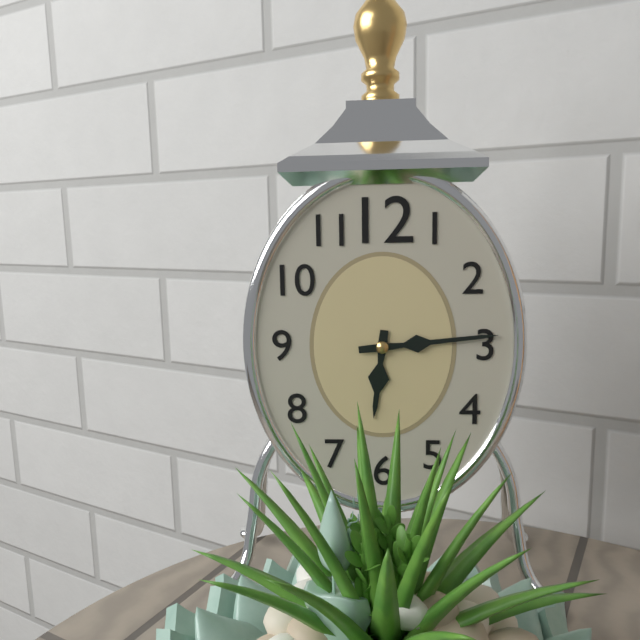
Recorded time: 6:14
